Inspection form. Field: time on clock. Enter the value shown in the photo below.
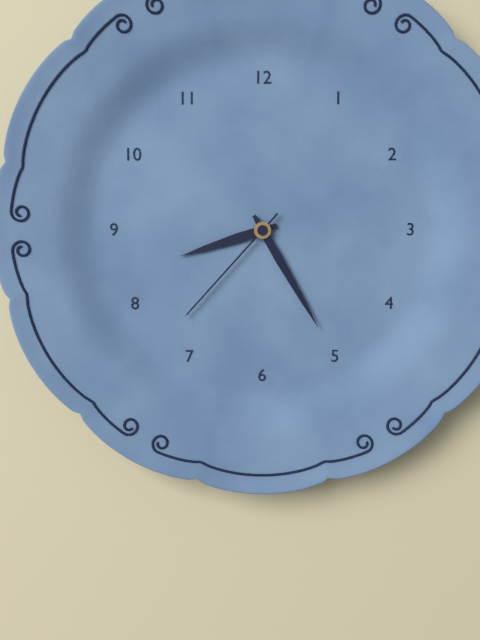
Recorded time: 8:25:37
